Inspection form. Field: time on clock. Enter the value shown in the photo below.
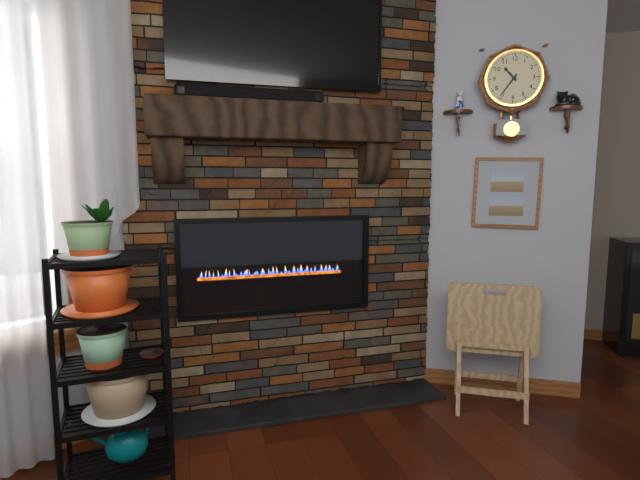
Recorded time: 10:36
